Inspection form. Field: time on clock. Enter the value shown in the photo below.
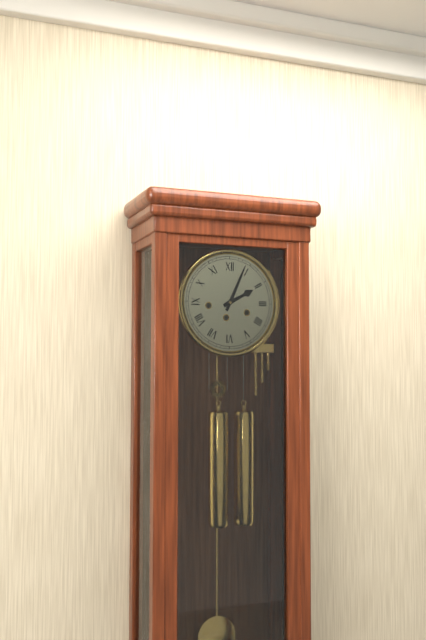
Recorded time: 2:04
